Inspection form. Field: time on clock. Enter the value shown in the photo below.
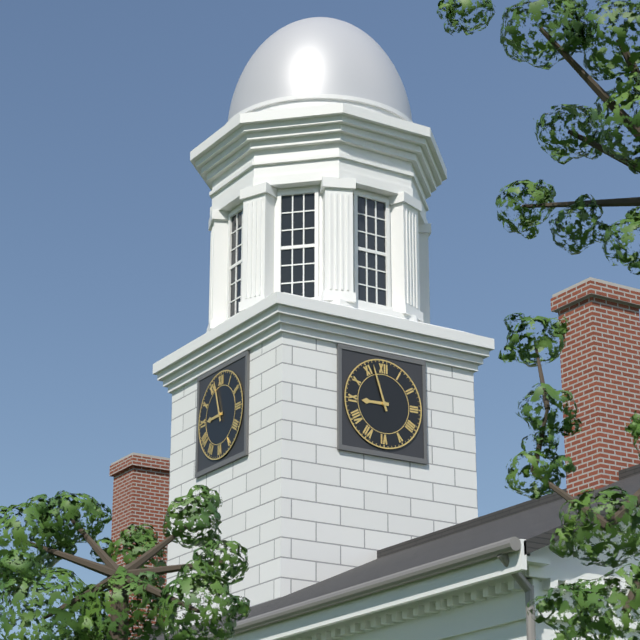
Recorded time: 8:57
